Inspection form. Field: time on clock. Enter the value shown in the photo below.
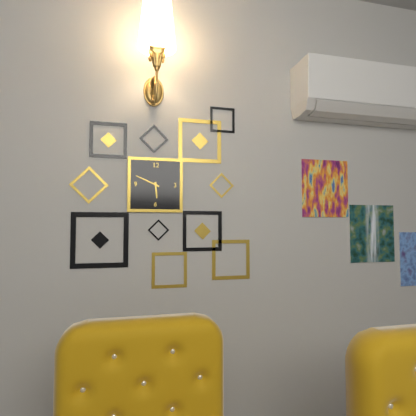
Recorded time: 5:49
